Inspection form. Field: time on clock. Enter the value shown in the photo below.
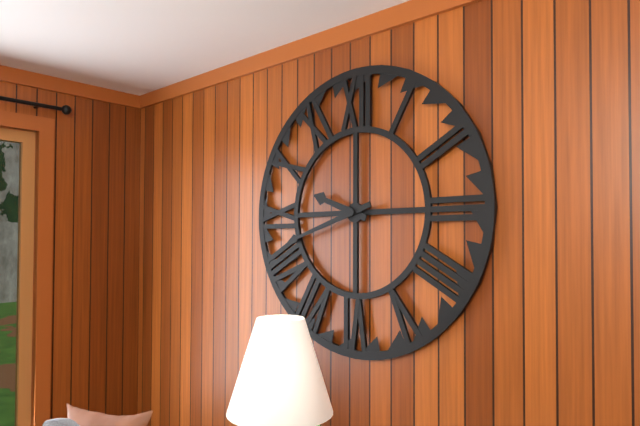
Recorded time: 9:42
